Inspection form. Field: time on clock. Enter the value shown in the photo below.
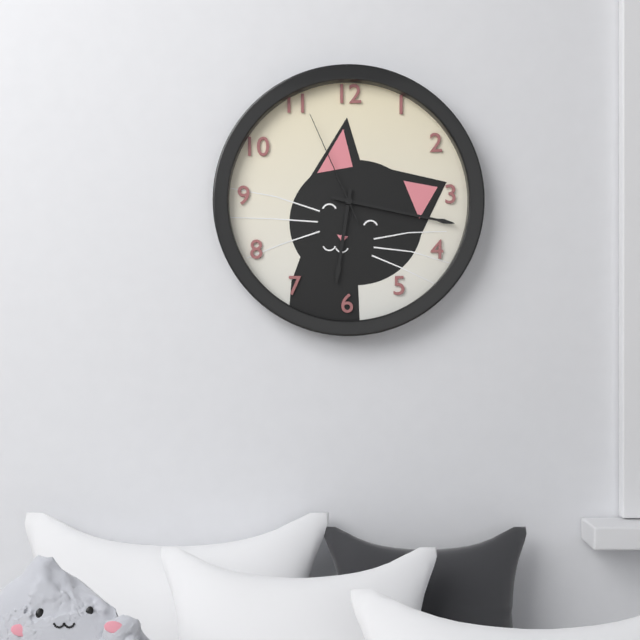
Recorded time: 6:17:56
